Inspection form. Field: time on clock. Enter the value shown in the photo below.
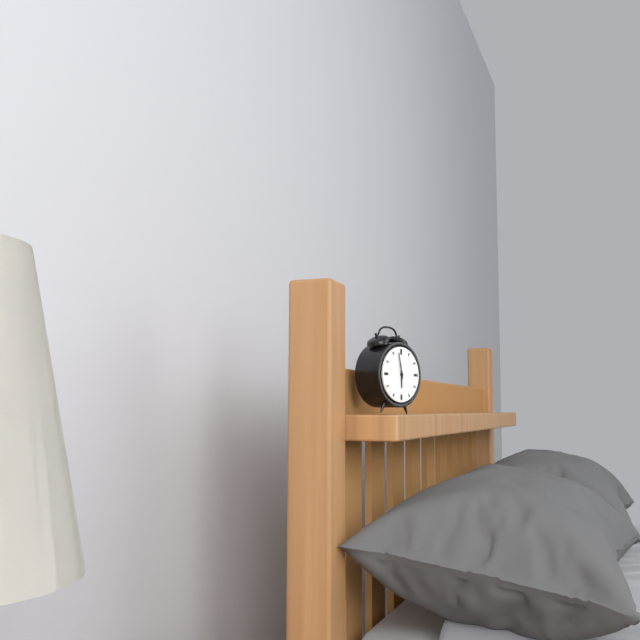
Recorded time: 5:58
